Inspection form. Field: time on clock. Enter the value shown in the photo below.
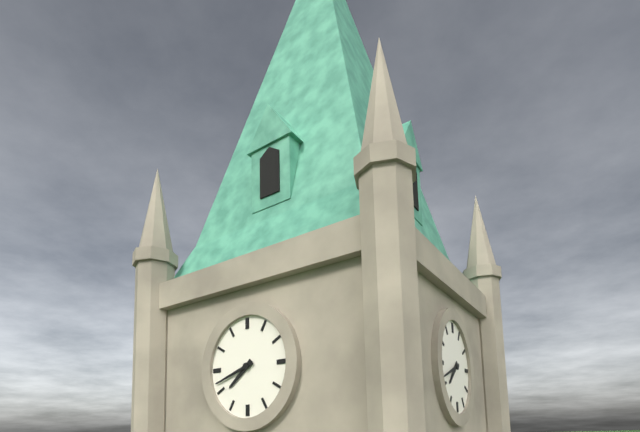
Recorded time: 7:42
